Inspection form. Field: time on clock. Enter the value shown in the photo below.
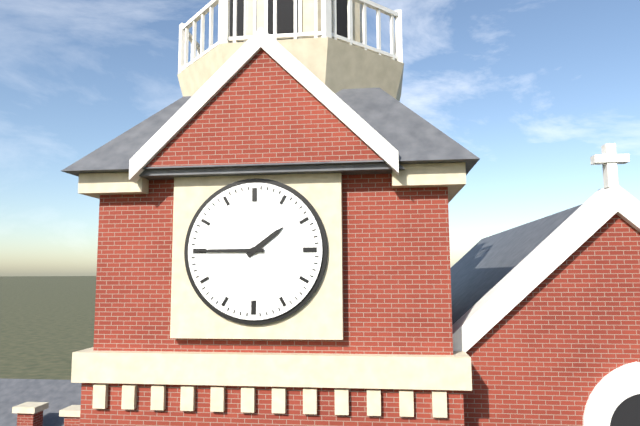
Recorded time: 1:45
